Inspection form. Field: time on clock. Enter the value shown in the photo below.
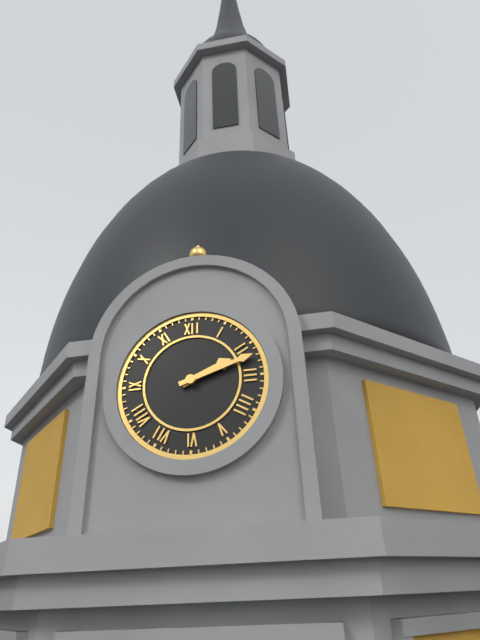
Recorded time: 2:12
